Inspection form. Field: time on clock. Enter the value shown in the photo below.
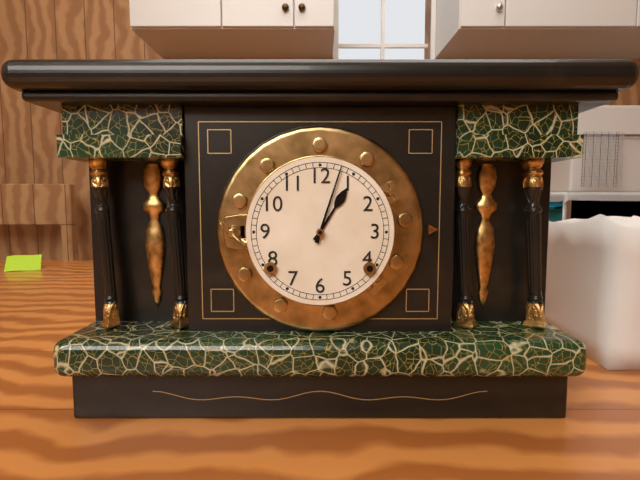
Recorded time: 1:03
